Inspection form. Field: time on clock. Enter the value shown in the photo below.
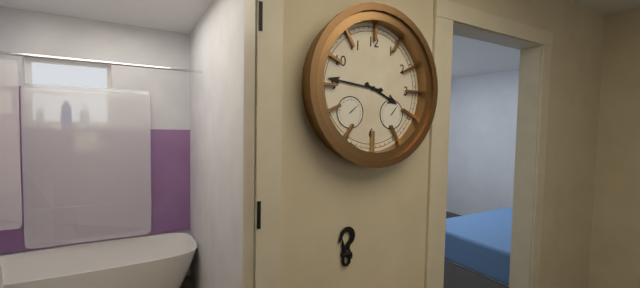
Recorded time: 3:46
